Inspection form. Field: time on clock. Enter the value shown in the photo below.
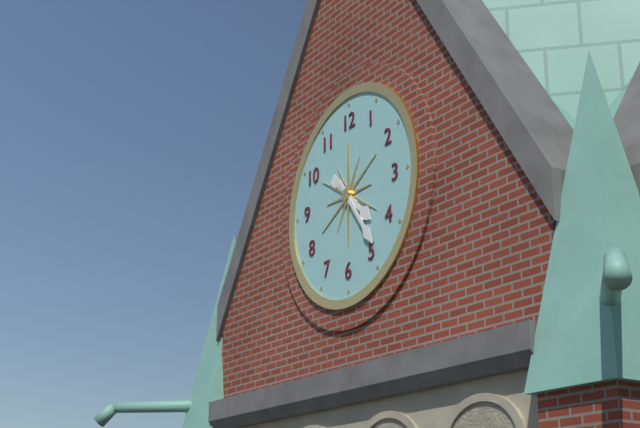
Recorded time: 4:24
